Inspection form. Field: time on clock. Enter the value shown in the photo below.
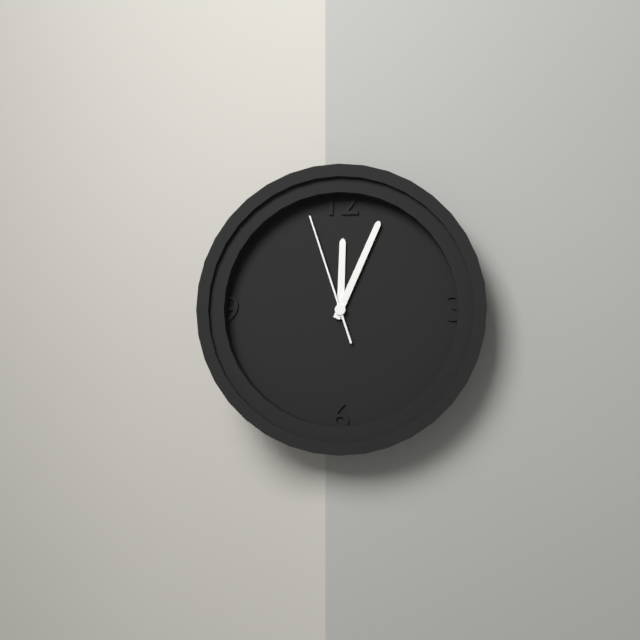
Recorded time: 12:04:57
